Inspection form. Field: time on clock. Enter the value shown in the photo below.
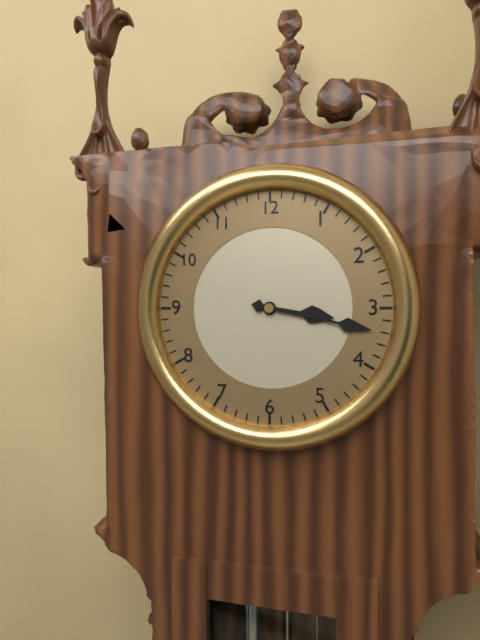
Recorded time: 3:17
